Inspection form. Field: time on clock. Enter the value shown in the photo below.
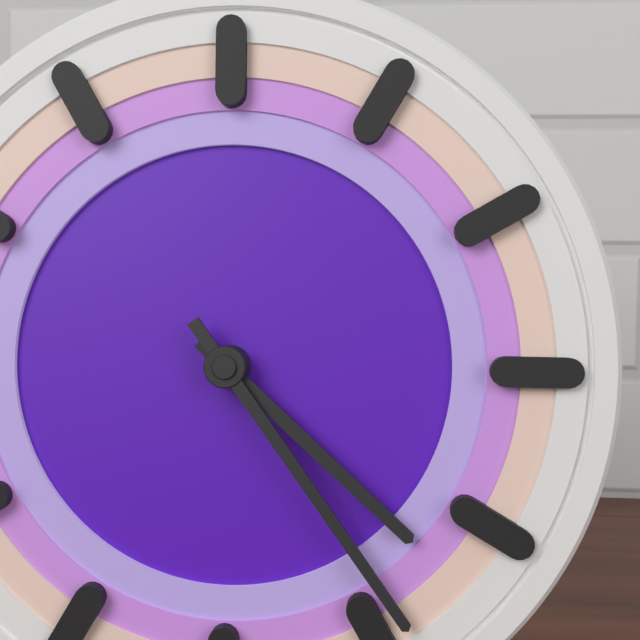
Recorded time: 4:24
